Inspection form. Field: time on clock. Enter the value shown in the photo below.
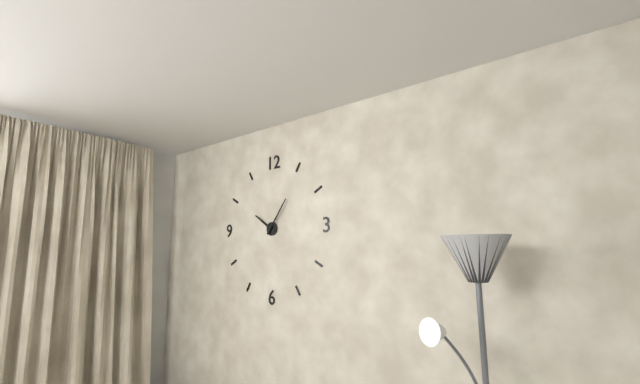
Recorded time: 10:06
